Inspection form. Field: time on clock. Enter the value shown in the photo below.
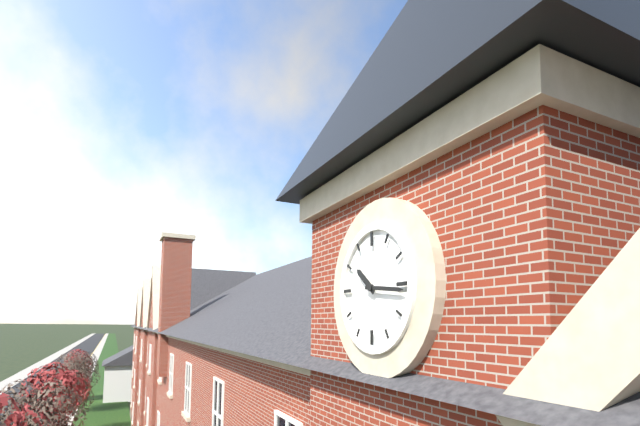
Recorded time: 10:16
